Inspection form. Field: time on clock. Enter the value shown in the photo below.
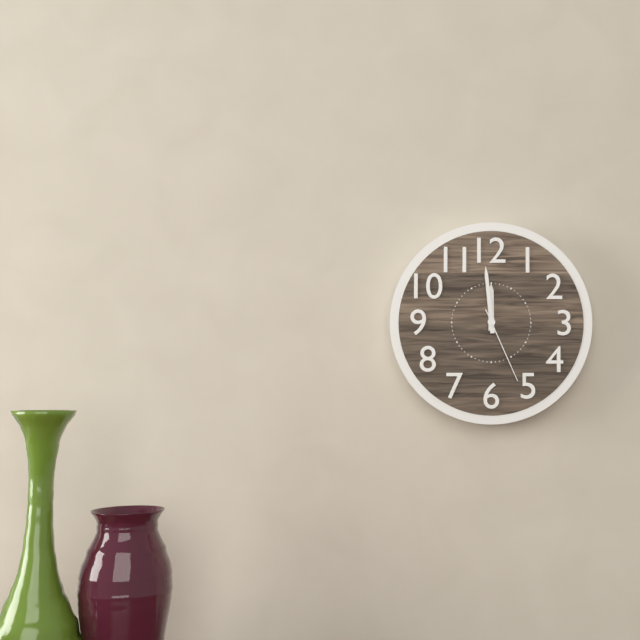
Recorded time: 11:59:26
